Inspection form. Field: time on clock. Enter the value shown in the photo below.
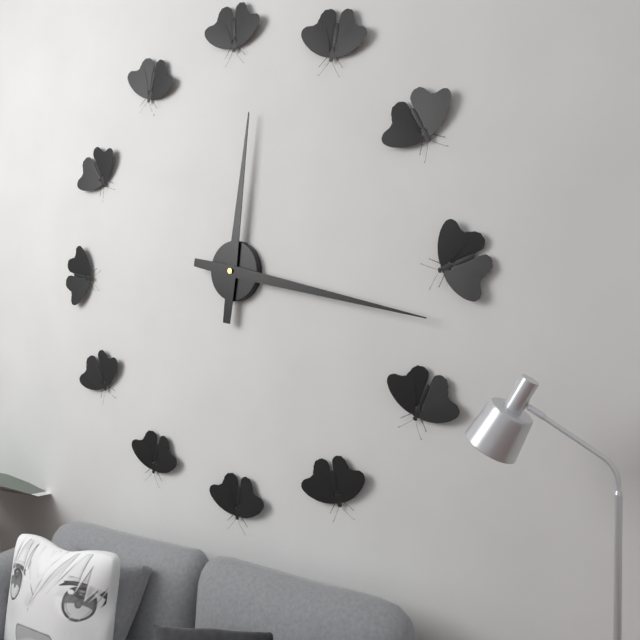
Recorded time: 12:17
